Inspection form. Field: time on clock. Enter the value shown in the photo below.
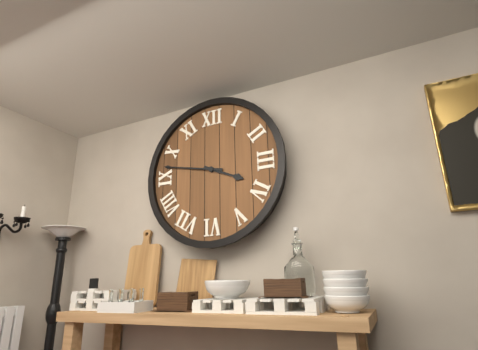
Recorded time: 3:47
